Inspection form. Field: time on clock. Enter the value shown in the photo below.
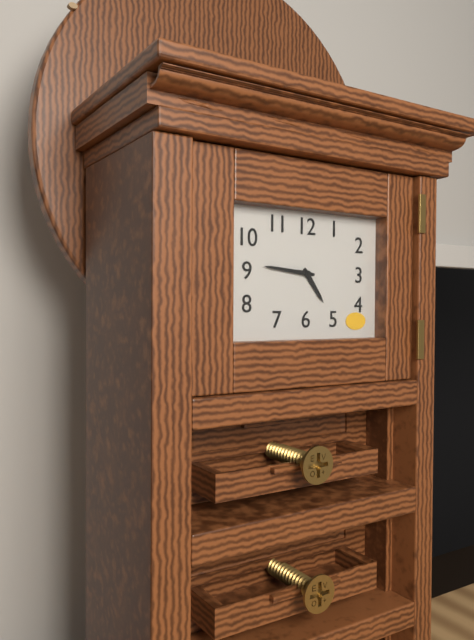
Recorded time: 4:46
